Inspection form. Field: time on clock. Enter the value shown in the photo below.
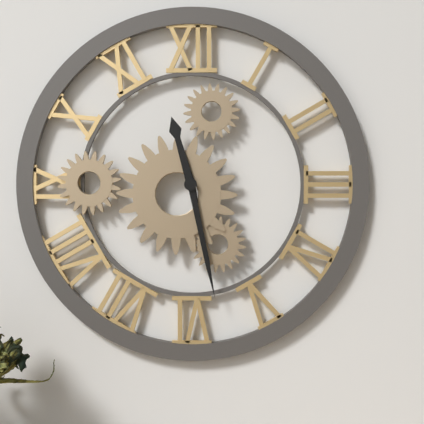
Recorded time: 11:28
